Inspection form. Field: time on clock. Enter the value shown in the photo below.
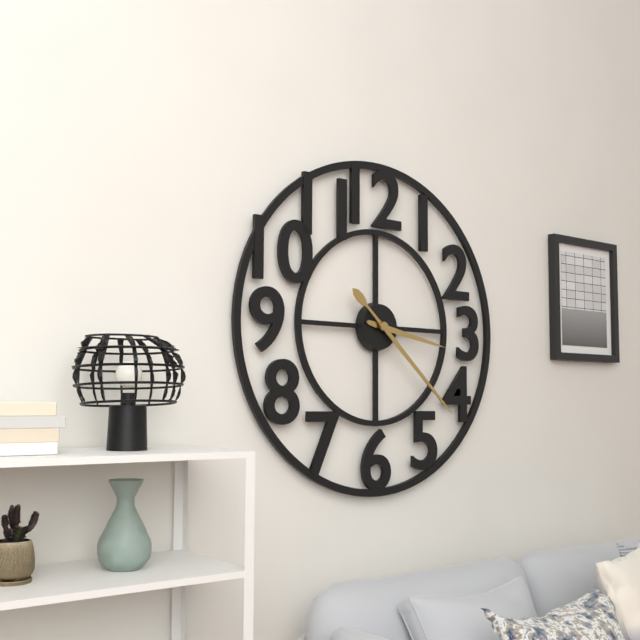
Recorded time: 3:22
